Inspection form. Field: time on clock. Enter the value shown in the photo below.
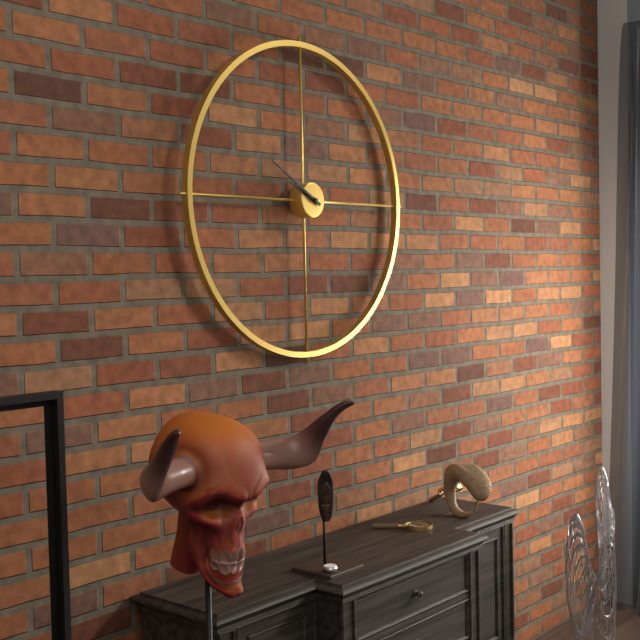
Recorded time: 9:50
